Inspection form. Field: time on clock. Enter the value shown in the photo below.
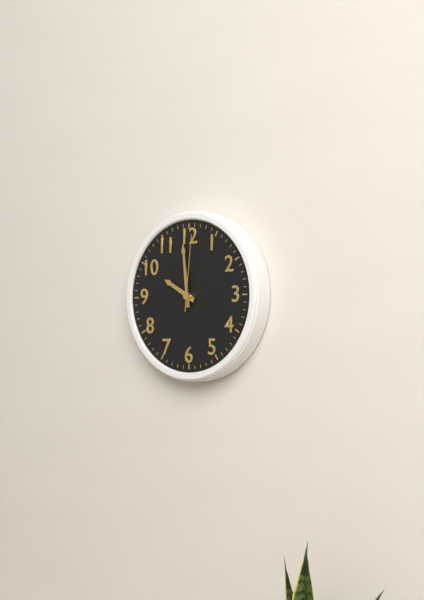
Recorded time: 9:59:01
